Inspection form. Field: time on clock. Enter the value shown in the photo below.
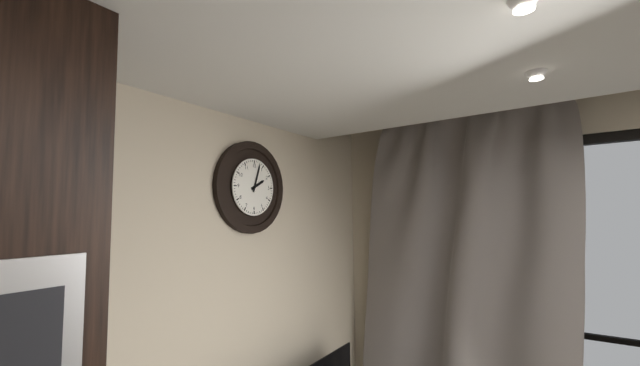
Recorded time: 2:03
